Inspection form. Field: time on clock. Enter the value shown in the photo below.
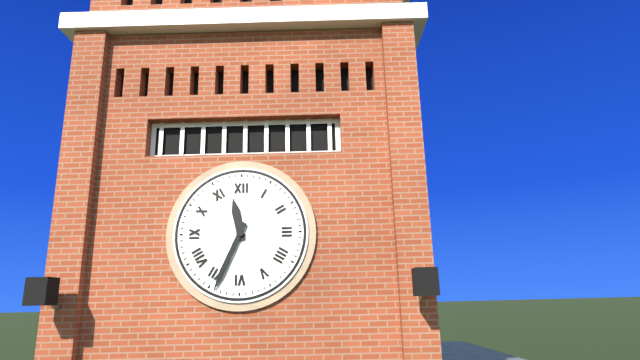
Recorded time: 11:34
